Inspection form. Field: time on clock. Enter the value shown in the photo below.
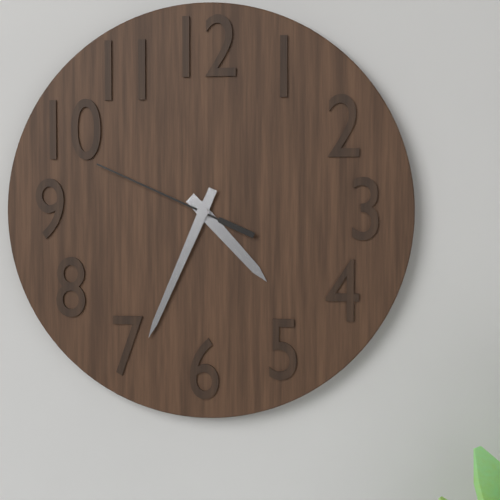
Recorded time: 4:34:49
